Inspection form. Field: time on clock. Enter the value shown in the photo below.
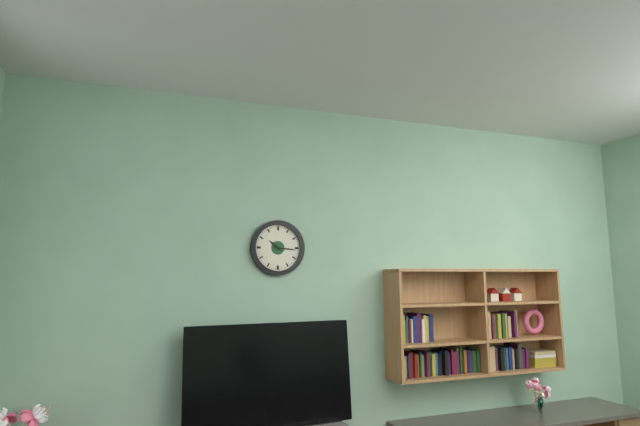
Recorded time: 10:16
